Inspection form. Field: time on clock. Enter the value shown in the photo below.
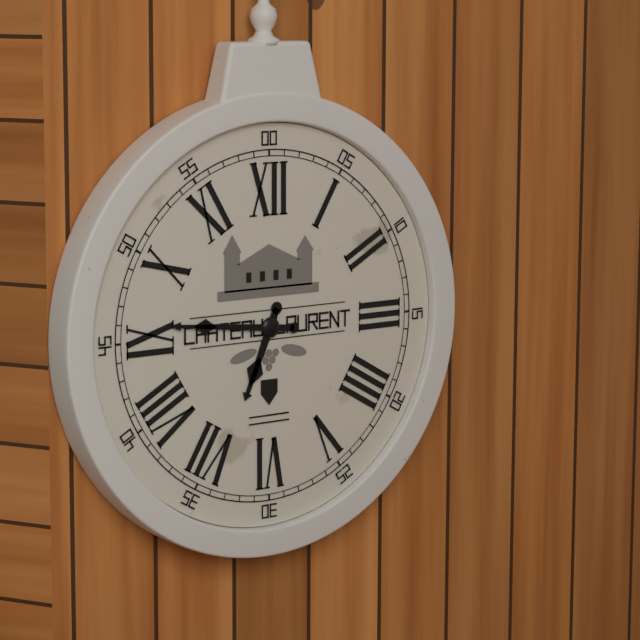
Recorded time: 6:46
